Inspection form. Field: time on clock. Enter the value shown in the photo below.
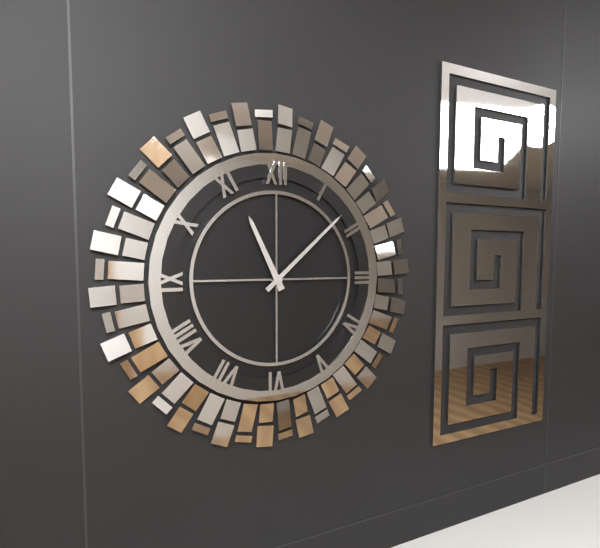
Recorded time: 11:08
